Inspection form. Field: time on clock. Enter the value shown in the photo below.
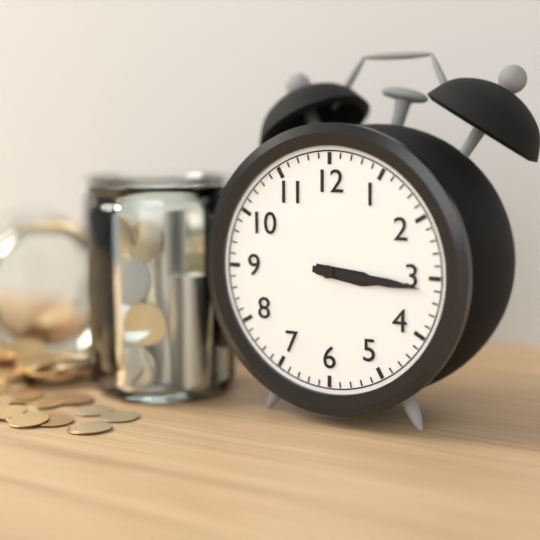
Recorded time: 3:16
